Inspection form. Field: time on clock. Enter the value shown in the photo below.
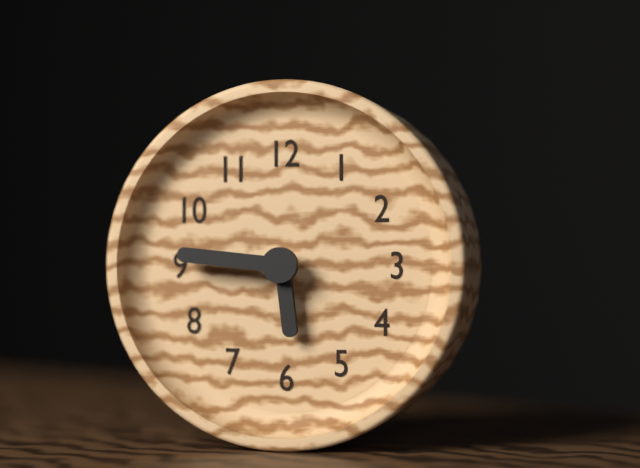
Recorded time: 5:46
